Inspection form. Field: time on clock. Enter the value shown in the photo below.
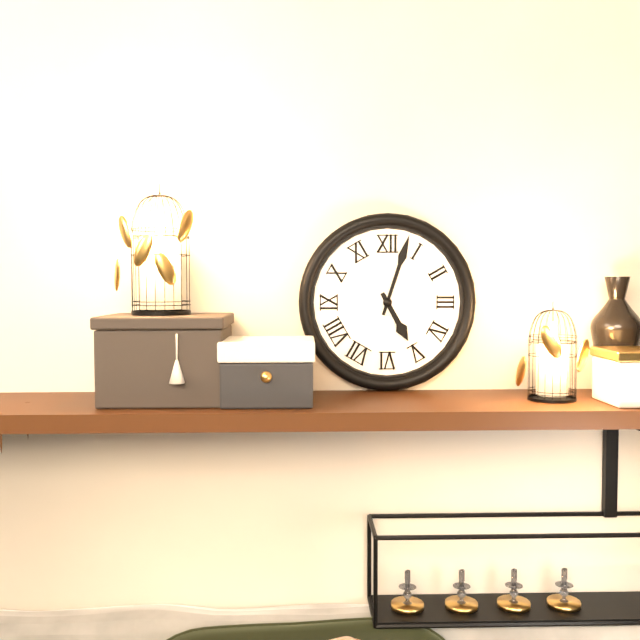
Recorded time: 5:03
